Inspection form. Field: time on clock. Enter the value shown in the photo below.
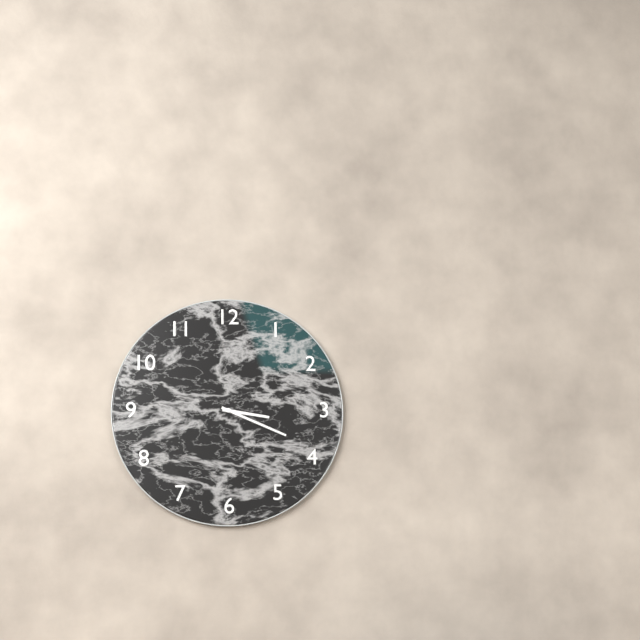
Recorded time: 3:19
